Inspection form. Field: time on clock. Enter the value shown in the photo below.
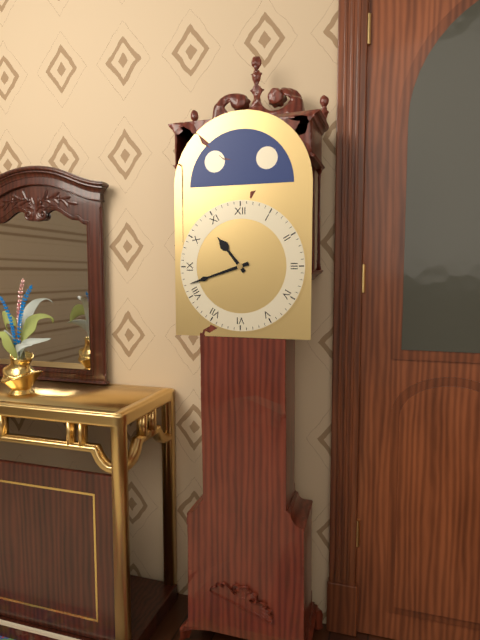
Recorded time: 10:42
